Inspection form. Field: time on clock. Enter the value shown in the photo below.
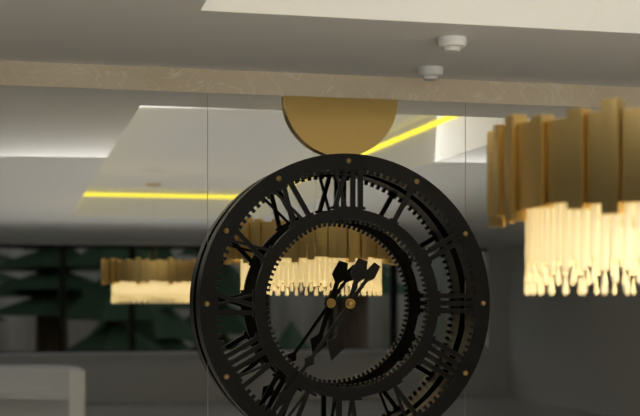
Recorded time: 6:36
